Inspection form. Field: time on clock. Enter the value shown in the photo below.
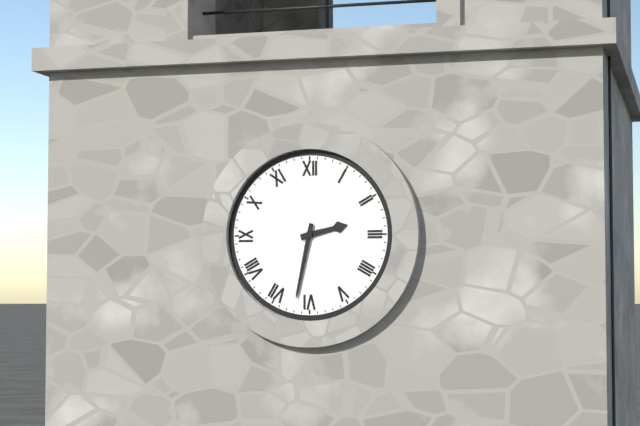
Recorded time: 2:32
